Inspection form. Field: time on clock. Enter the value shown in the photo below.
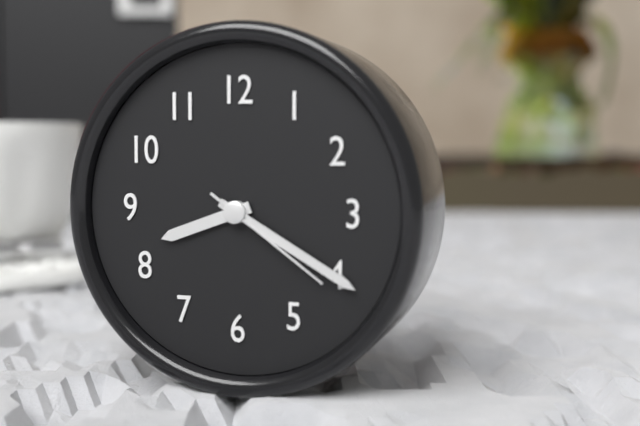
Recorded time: 8:20:21
